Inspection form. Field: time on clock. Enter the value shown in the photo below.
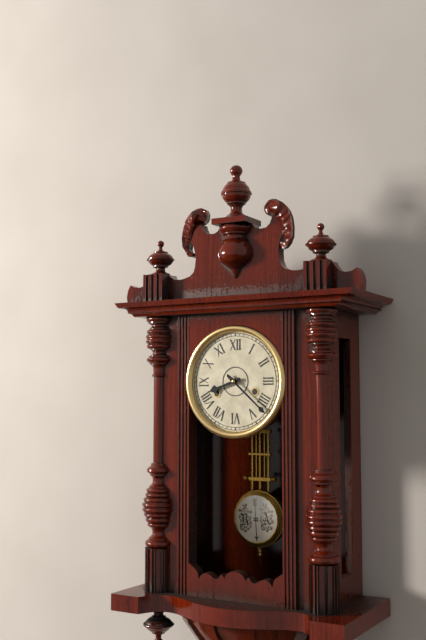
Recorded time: 8:22
